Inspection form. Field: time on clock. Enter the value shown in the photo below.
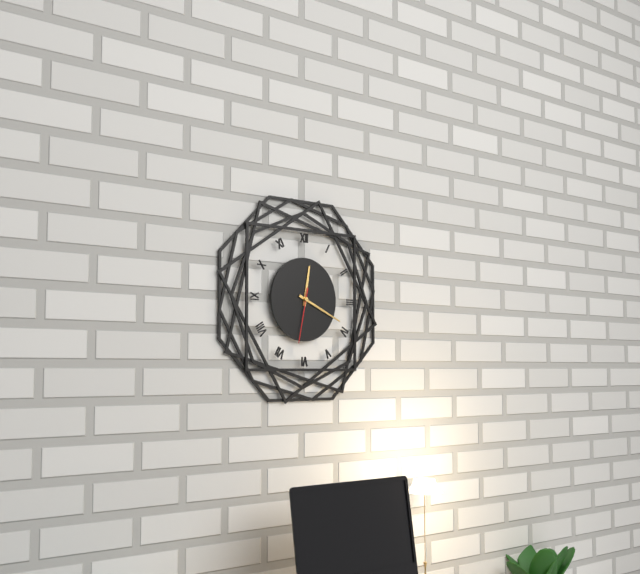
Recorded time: 12:19:32
